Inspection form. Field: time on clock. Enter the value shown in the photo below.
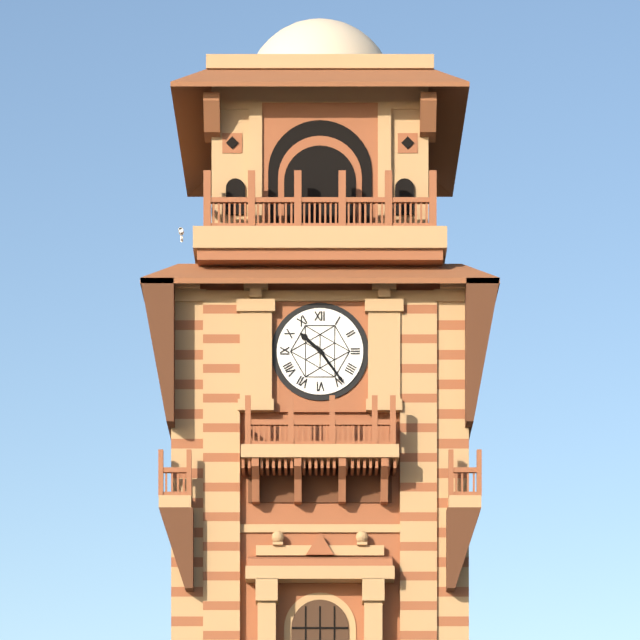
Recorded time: 10:24
